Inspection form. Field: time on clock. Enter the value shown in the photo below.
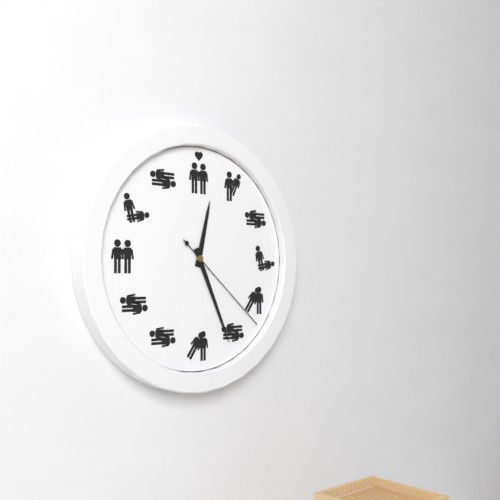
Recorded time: 12:26:22
